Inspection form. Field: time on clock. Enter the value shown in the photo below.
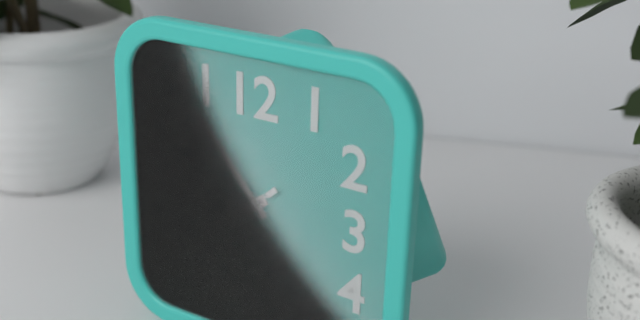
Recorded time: 7:53:38
